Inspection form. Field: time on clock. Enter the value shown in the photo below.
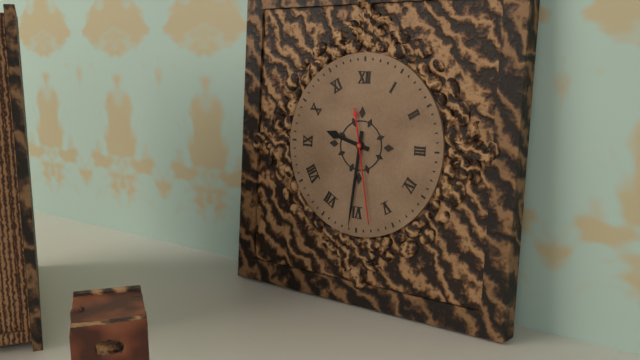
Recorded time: 9:31:28
